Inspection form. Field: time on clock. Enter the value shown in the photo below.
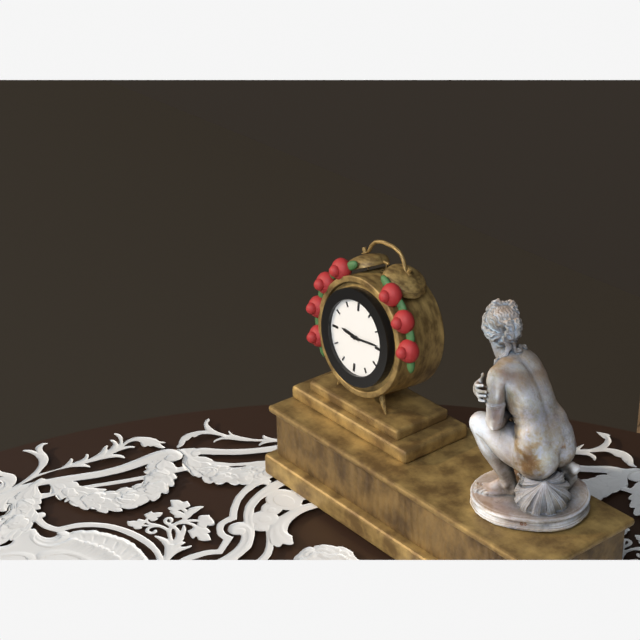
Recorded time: 9:14
